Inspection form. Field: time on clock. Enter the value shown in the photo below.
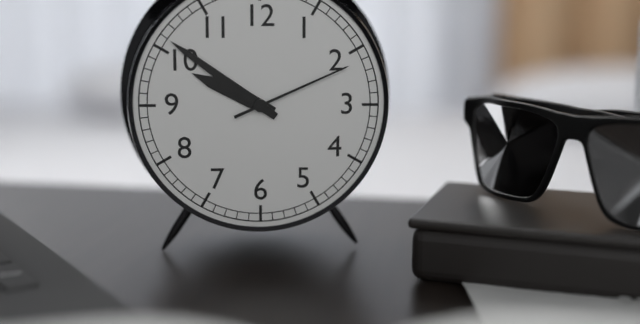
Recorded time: 9:51:11
